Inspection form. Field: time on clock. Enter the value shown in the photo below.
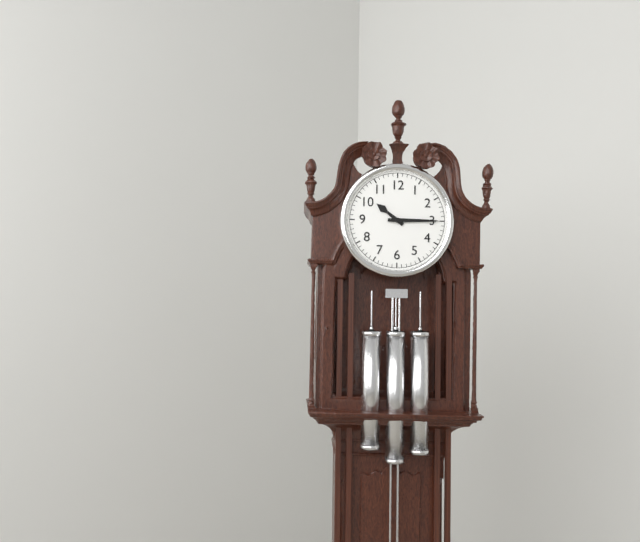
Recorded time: 10:15
